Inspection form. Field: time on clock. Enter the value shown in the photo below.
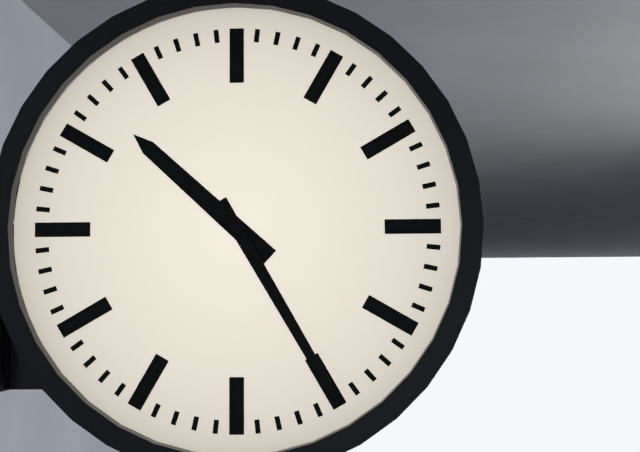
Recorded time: 10:25
